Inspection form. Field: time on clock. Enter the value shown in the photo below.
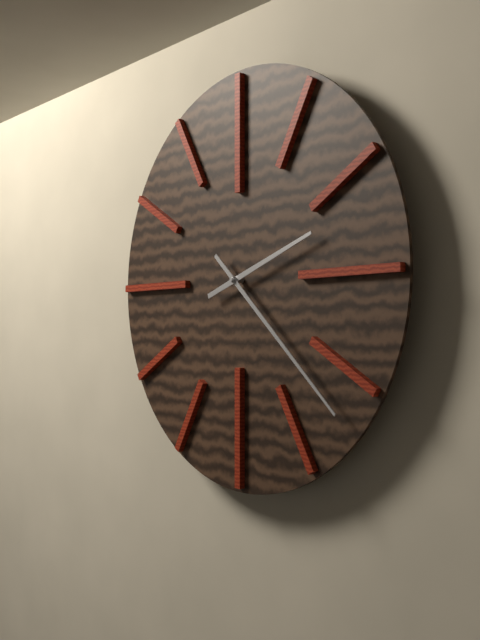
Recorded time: 2:22
